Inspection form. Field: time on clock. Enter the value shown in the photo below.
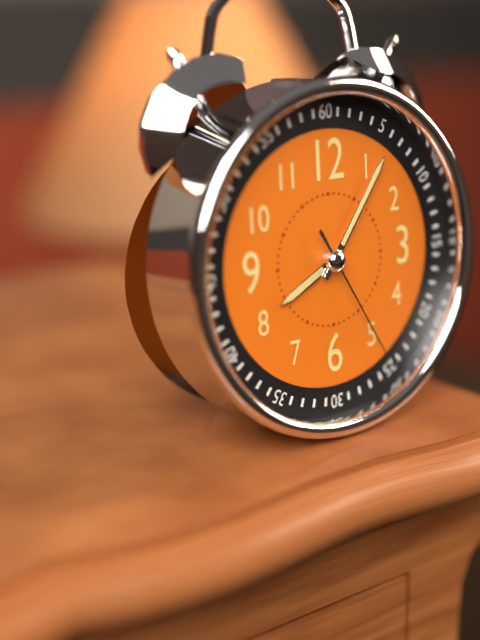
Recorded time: 8:06:25
